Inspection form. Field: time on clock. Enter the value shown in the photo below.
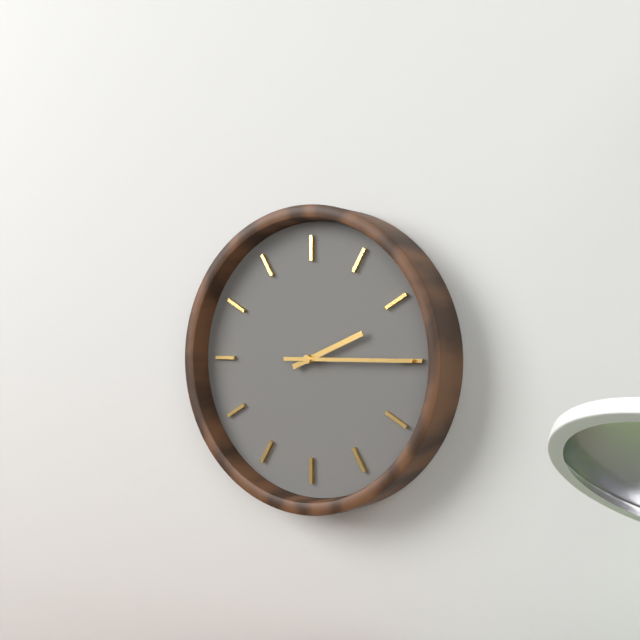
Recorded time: 2:15
